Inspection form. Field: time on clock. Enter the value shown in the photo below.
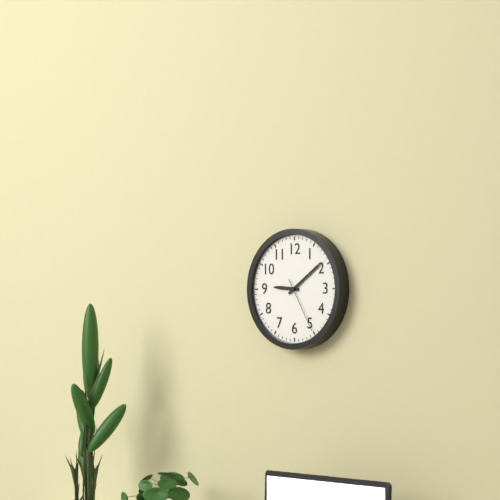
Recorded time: 9:09:25
